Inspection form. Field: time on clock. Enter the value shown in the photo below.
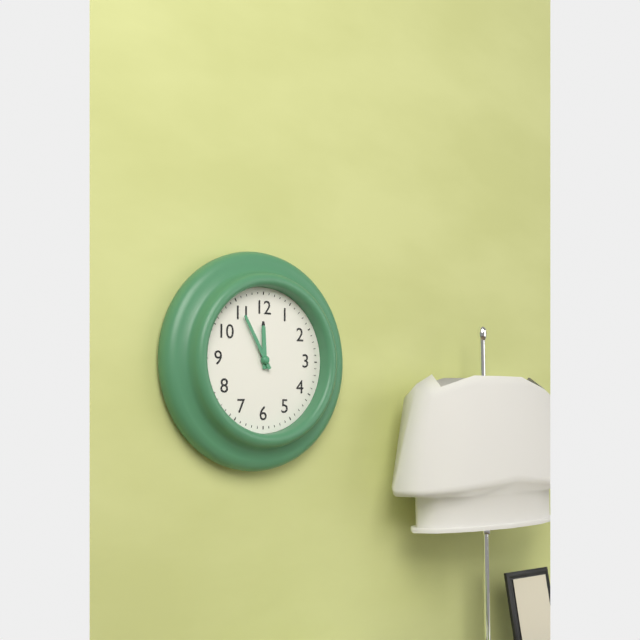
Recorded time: 11:55
